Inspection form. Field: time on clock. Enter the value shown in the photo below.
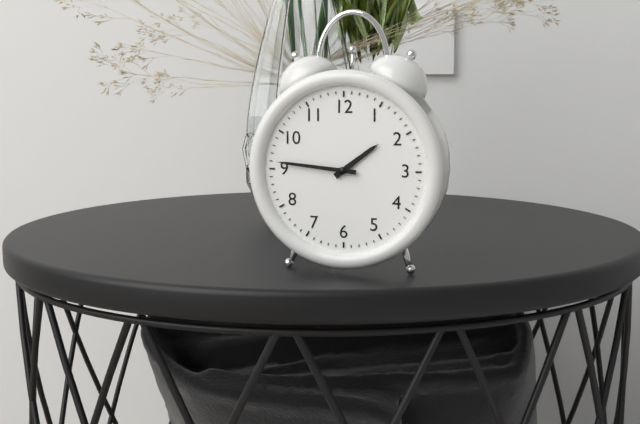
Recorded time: 1:46
